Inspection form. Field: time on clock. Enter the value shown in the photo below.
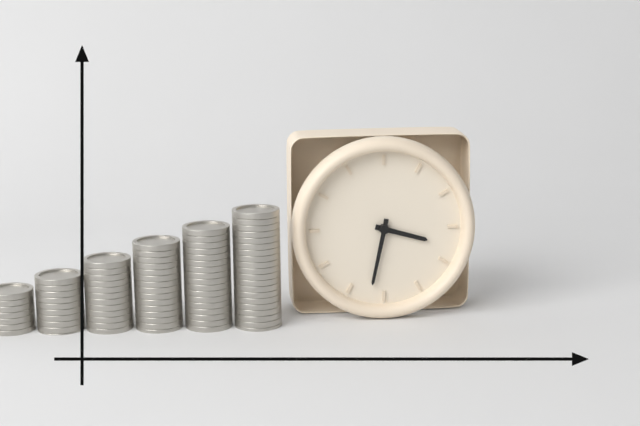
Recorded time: 3:32
